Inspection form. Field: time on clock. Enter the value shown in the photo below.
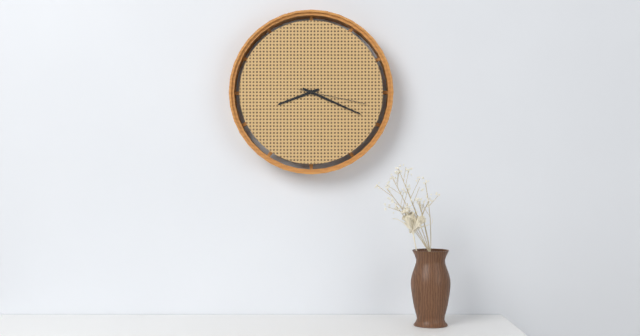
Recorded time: 8:19:17
